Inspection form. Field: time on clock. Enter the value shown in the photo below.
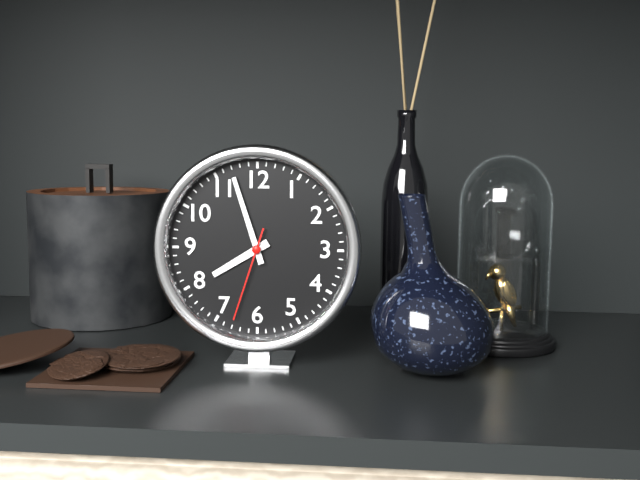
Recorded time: 7:57:33
